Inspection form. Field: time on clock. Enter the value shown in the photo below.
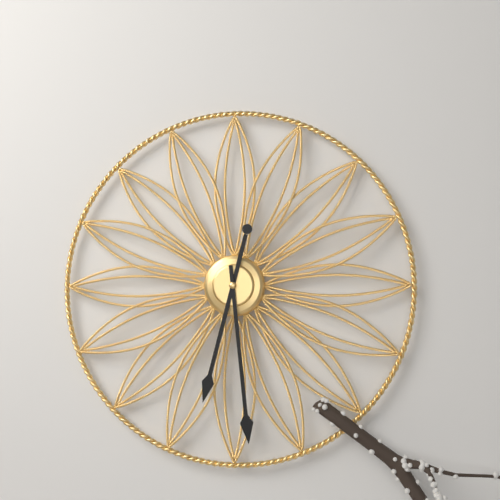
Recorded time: 6:29
